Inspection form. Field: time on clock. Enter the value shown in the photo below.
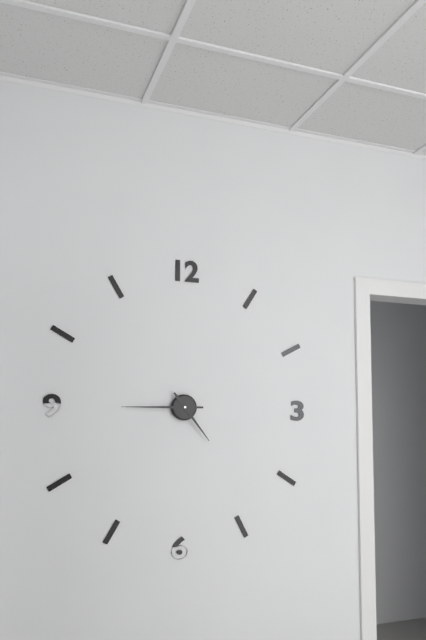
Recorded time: 4:45
